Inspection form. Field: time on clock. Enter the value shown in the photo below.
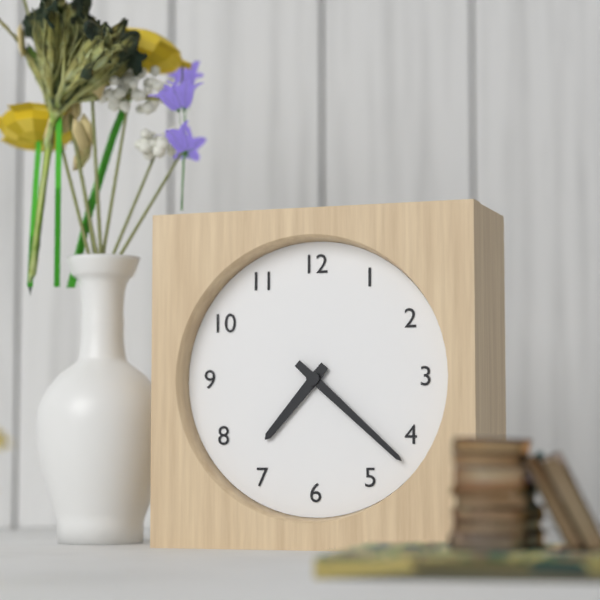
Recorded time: 7:22
